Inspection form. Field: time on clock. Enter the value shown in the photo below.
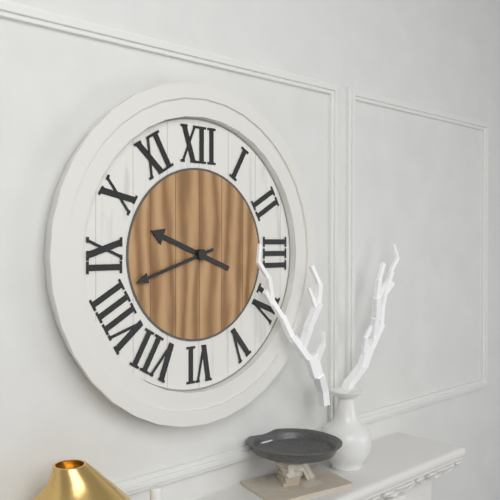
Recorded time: 9:42
